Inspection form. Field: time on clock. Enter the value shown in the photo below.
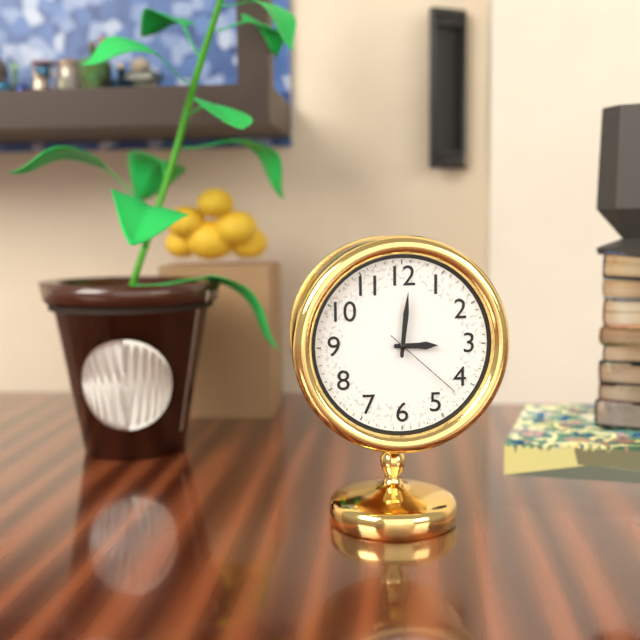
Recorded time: 3:01:22
